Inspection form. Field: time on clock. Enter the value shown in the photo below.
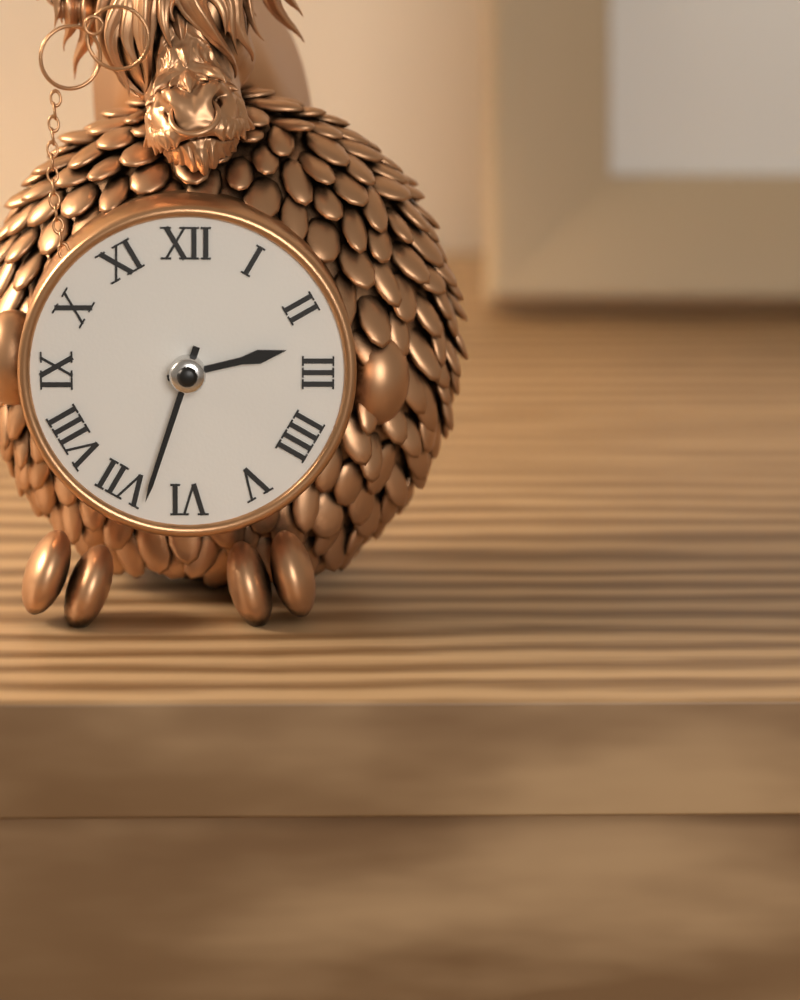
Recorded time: 2:33
